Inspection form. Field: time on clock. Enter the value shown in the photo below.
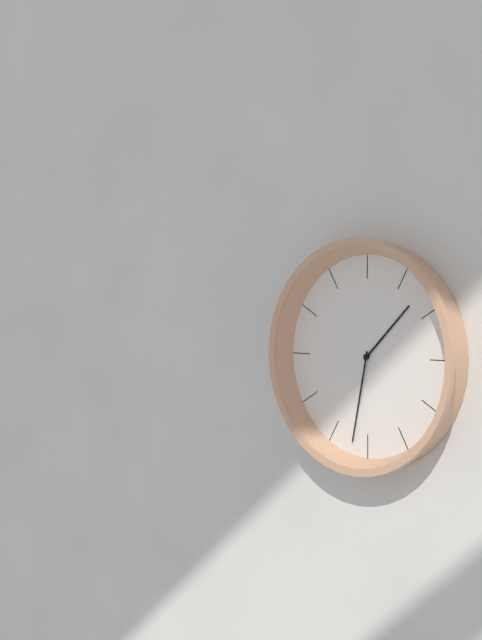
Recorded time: 1:32
